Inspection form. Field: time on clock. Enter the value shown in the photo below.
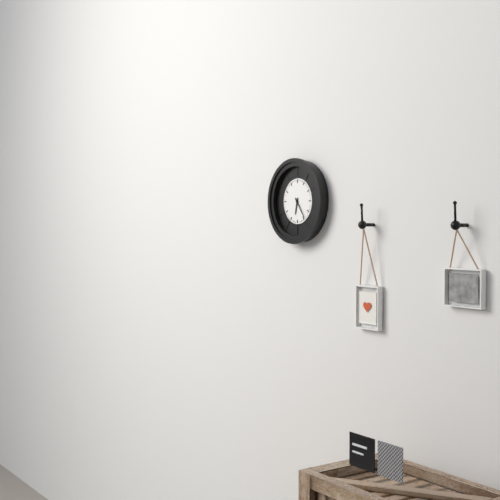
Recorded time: 6:24
